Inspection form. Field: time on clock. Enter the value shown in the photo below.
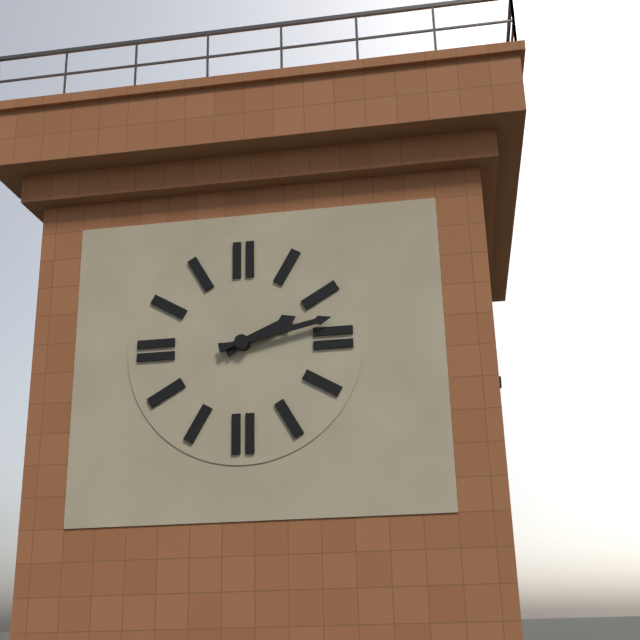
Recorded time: 2:13
